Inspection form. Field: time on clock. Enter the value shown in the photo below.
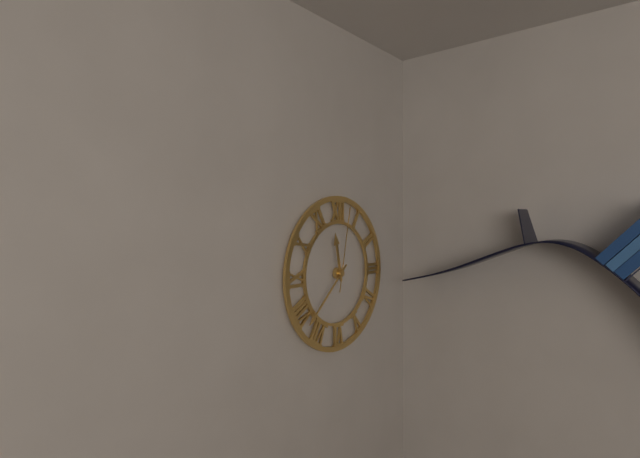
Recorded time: 11:38:02
